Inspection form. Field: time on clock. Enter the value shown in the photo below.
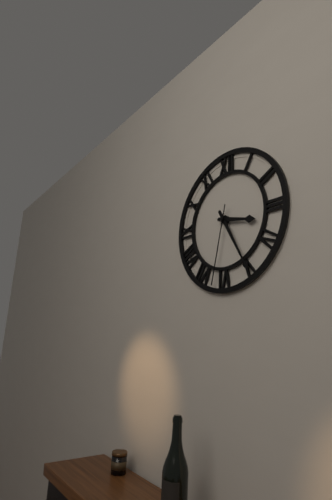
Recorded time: 3:25:32
